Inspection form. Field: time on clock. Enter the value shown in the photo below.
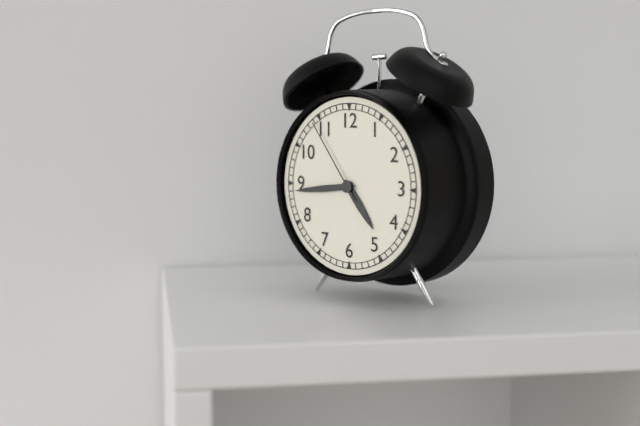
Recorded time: 4:44:54
